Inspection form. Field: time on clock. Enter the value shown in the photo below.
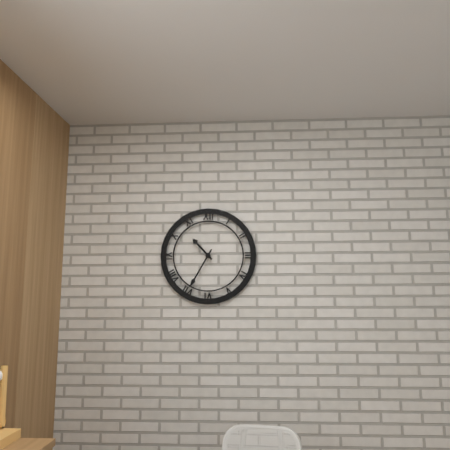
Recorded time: 10:35
